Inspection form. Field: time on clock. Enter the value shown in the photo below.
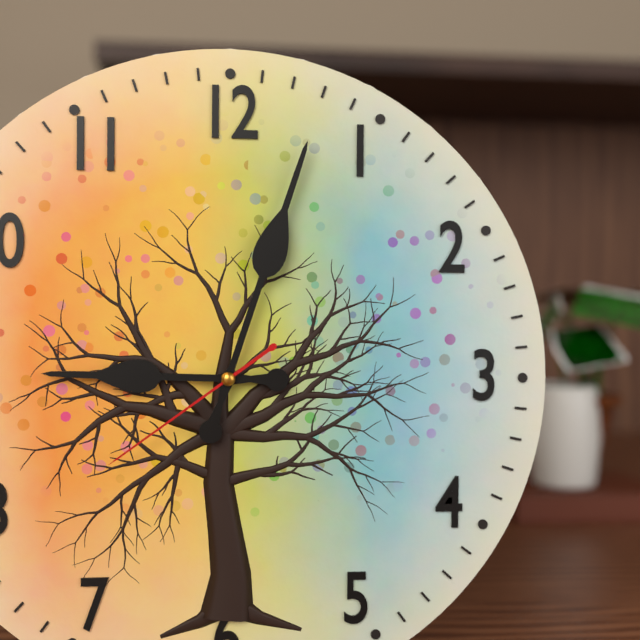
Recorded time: 9:03:39
